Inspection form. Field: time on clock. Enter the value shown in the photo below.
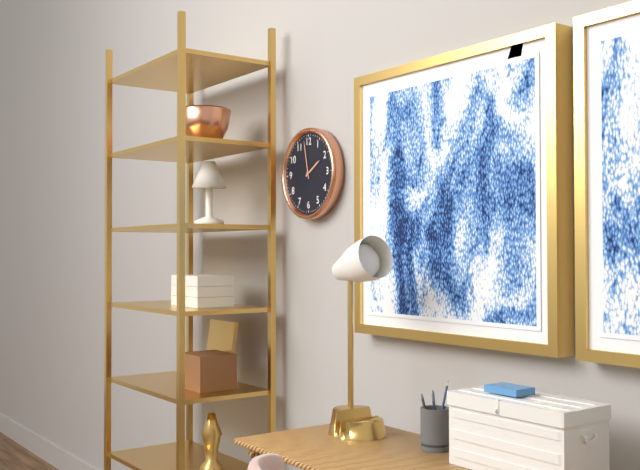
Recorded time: 1:58
